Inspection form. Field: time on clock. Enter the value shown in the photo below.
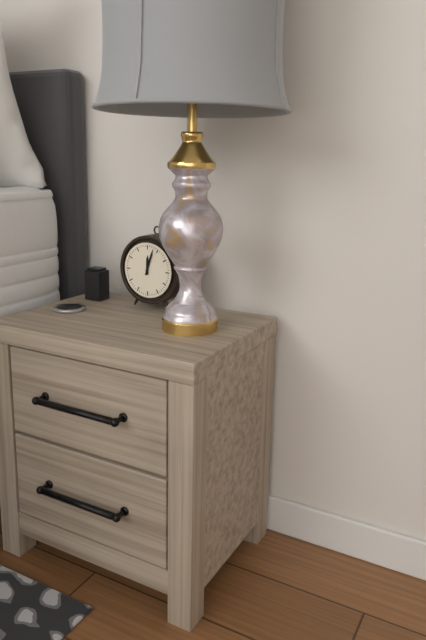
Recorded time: 12:03
